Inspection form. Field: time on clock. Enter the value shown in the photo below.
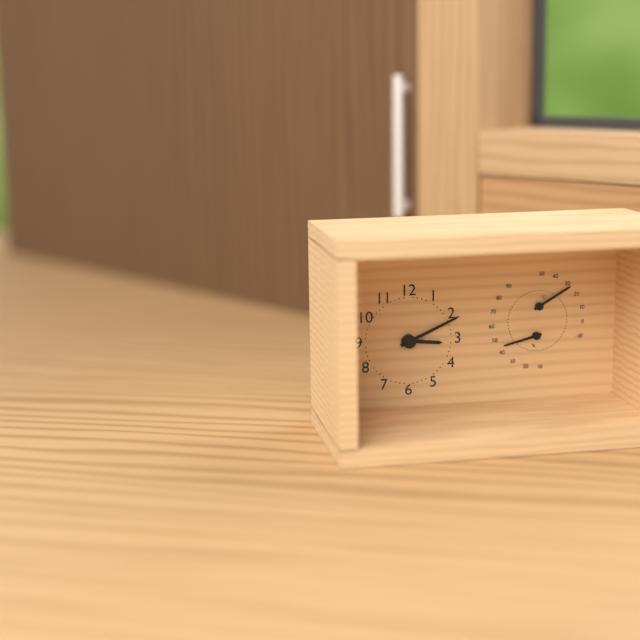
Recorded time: 3:11
